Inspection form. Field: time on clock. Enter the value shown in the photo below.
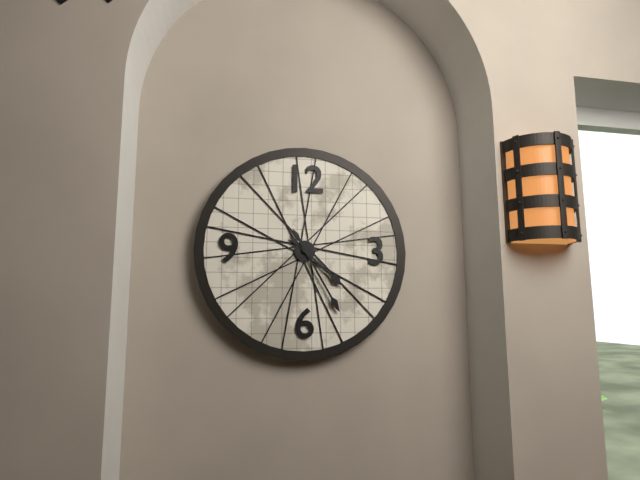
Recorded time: 4:25
